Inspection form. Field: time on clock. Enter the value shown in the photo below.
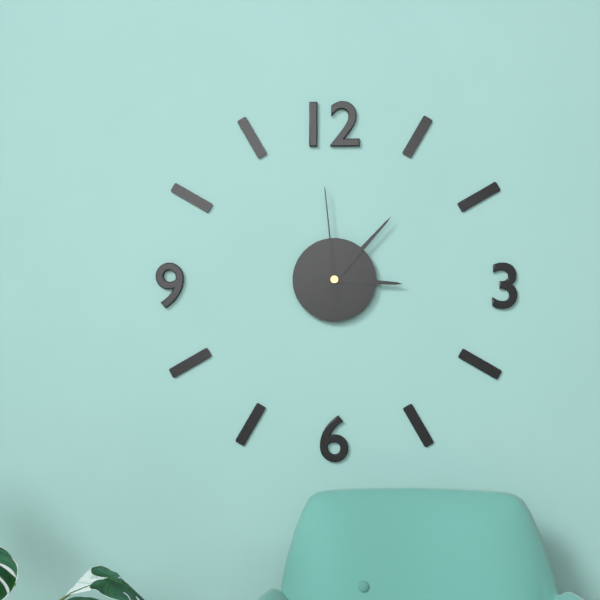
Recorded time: 3:07:59
